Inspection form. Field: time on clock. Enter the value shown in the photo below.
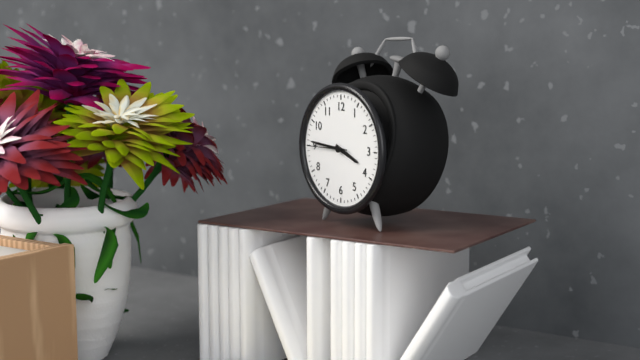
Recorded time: 3:46
